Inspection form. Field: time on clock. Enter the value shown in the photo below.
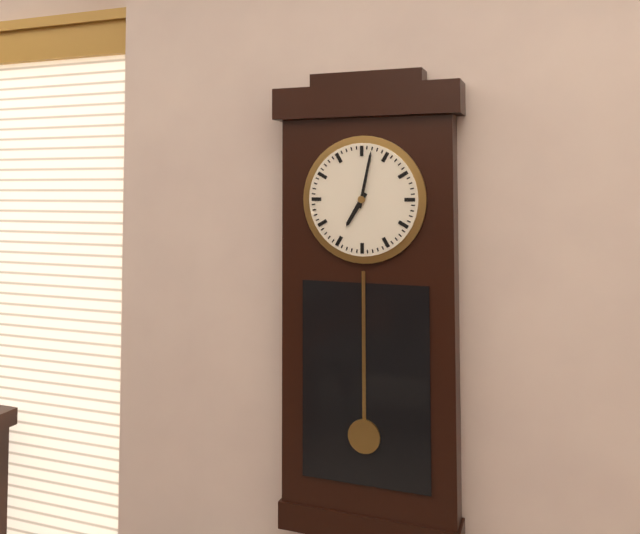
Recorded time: 7:02
